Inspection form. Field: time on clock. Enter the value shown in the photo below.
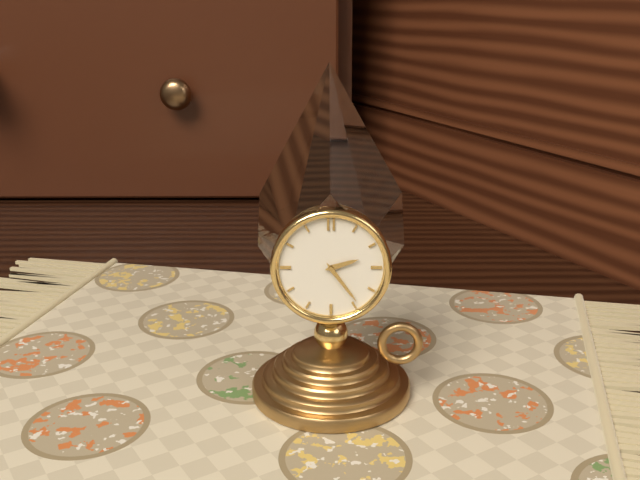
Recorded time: 2:24
